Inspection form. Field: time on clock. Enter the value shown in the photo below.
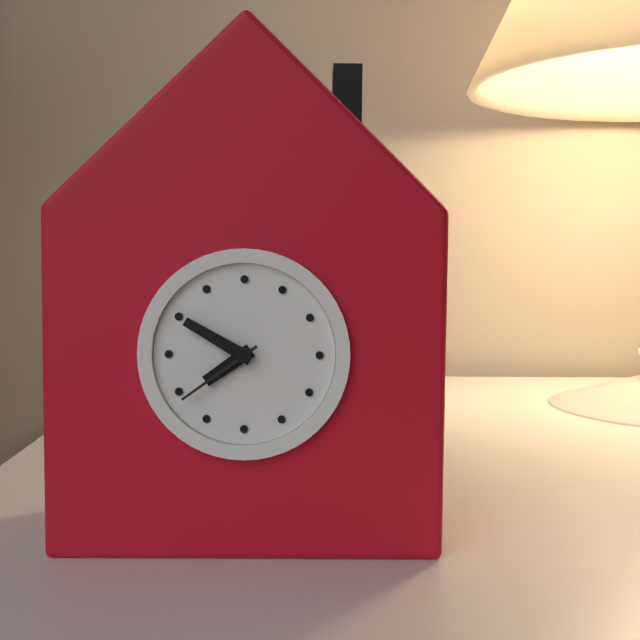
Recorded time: 7:50:39
